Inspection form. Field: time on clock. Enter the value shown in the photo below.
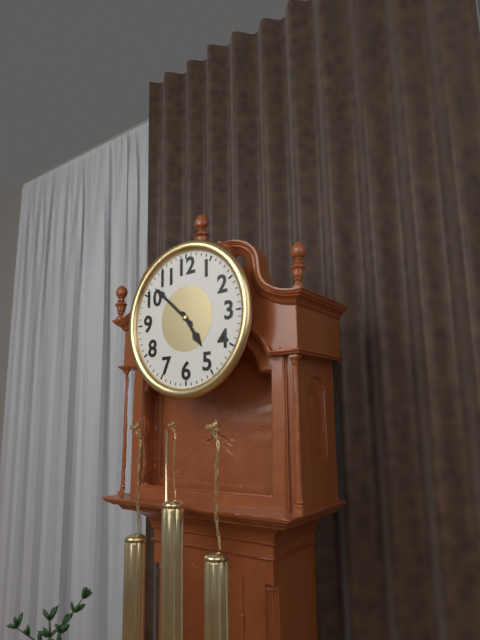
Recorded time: 4:52
